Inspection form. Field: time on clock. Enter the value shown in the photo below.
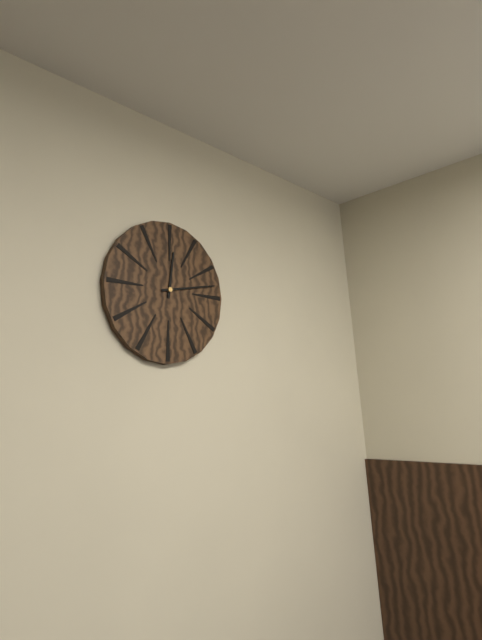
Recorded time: 12:13
